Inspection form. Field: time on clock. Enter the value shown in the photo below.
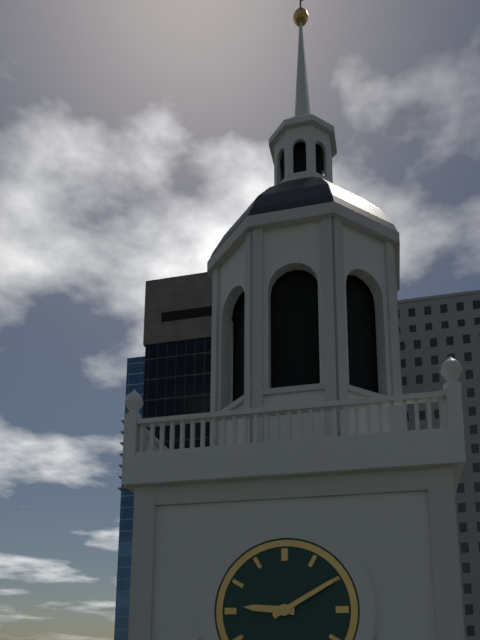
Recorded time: 9:10
